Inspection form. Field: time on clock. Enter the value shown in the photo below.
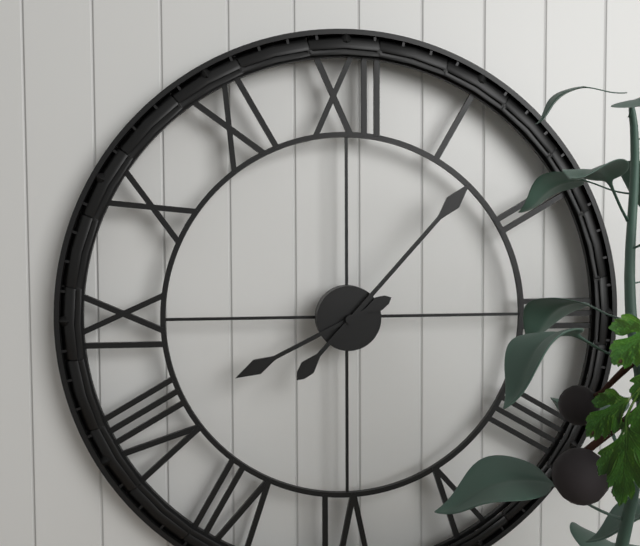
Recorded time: 8:07
